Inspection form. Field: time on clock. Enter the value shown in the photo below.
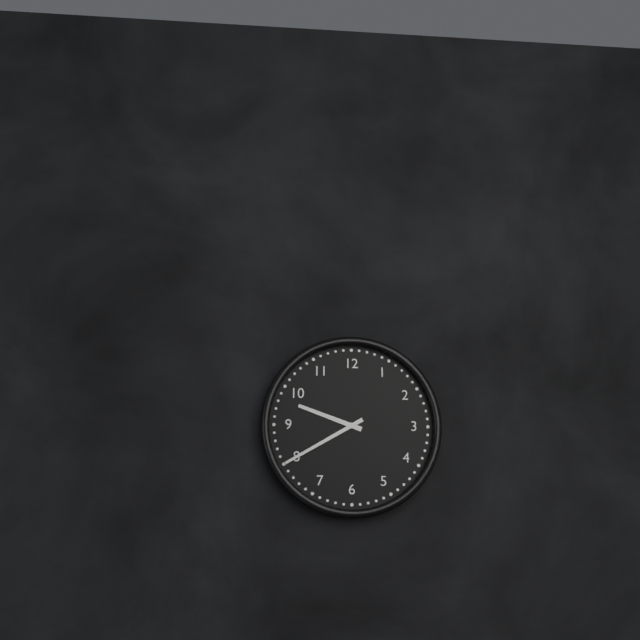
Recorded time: 9:40
